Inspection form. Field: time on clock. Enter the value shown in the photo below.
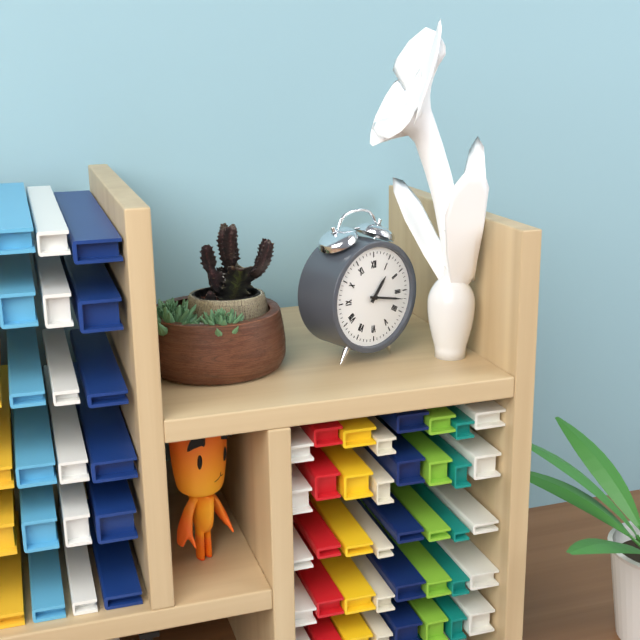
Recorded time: 1:17
